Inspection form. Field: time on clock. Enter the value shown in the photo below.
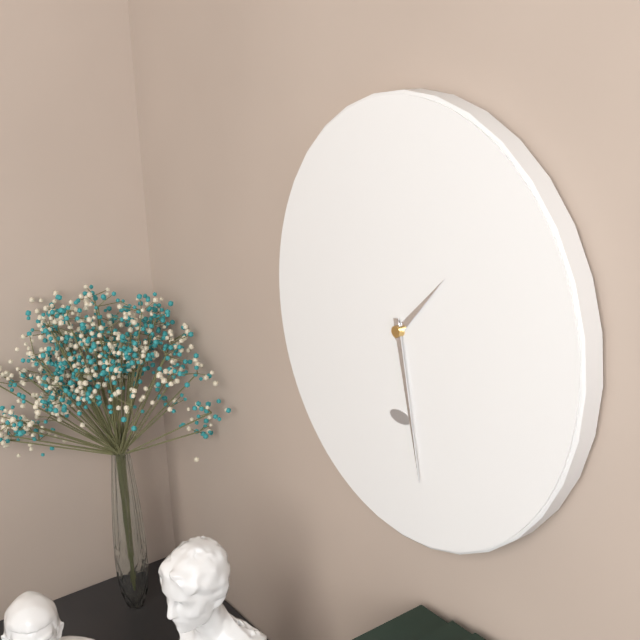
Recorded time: 1:28
